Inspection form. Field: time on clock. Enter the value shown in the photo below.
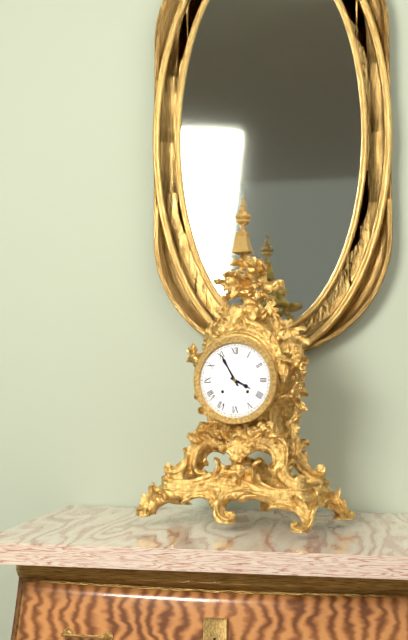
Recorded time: 3:55
